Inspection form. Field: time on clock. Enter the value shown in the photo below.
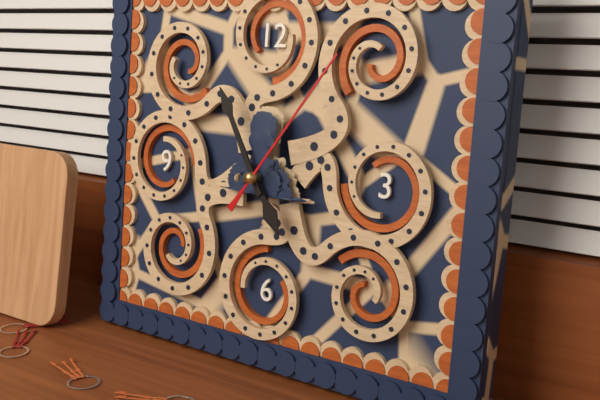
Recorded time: 4:55:06
